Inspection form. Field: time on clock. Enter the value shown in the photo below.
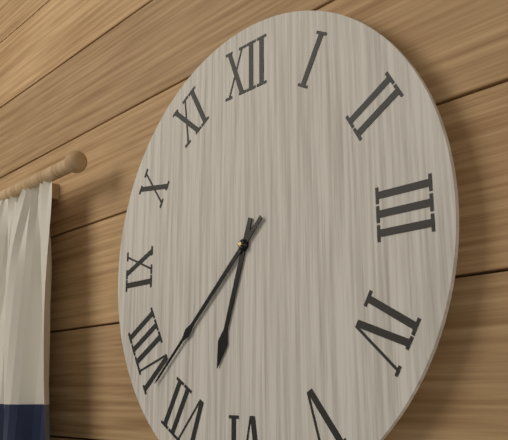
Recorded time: 6:38
